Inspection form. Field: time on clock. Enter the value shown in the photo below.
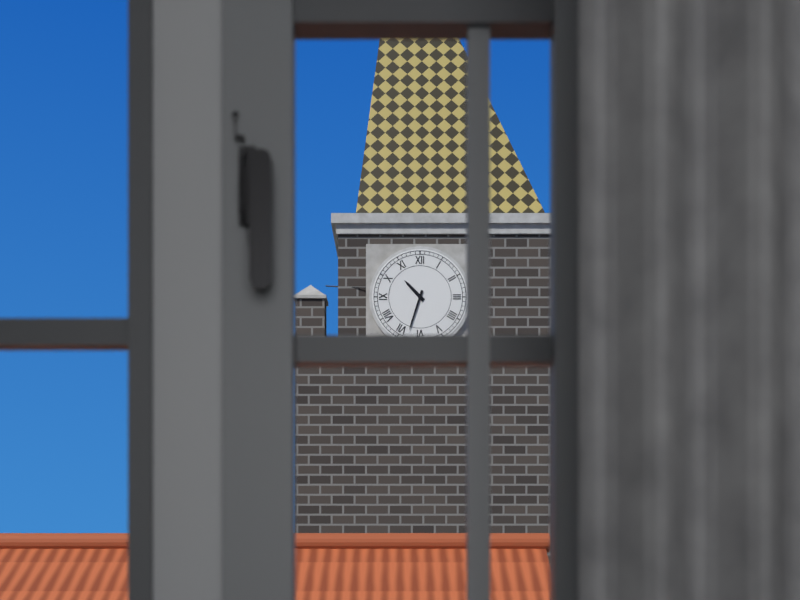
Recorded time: 10:33
